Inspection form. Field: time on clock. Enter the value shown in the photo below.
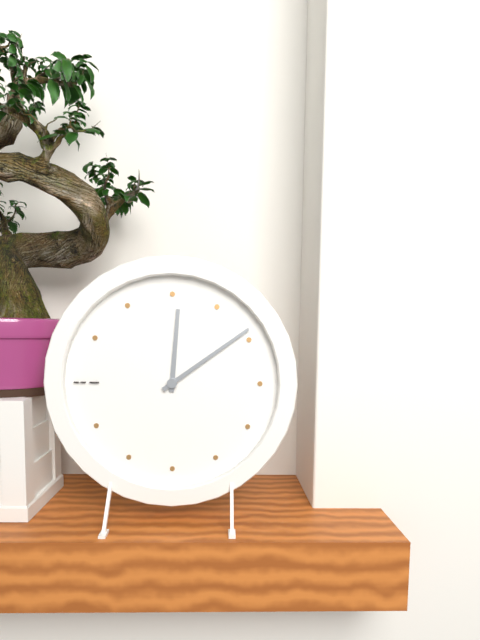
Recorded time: 12:09
